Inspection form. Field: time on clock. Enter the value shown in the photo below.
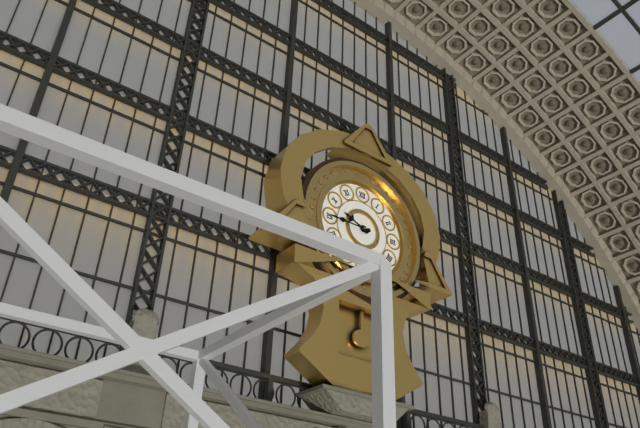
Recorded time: 9:45
